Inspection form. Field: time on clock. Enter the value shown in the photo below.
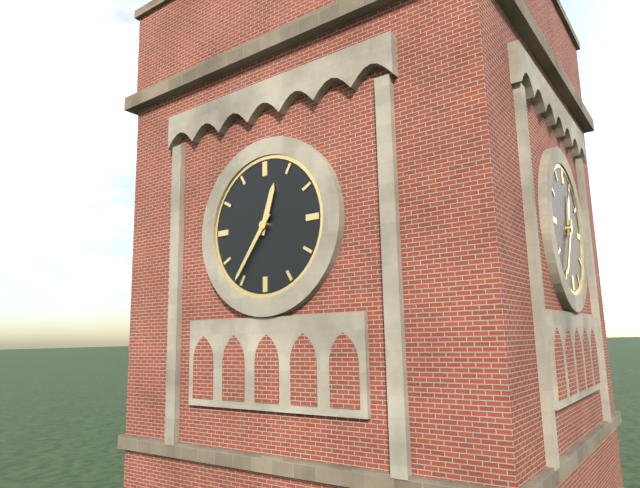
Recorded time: 12:36
